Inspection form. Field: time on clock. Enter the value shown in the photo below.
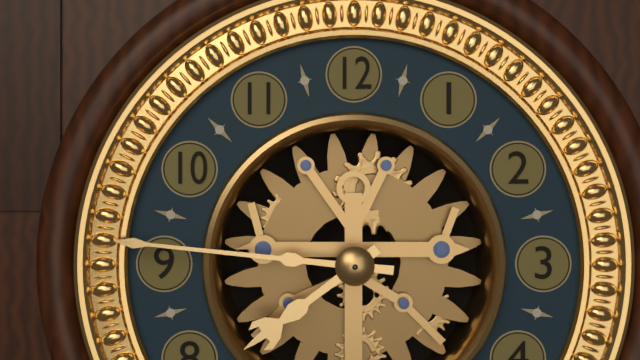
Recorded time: 7:46
